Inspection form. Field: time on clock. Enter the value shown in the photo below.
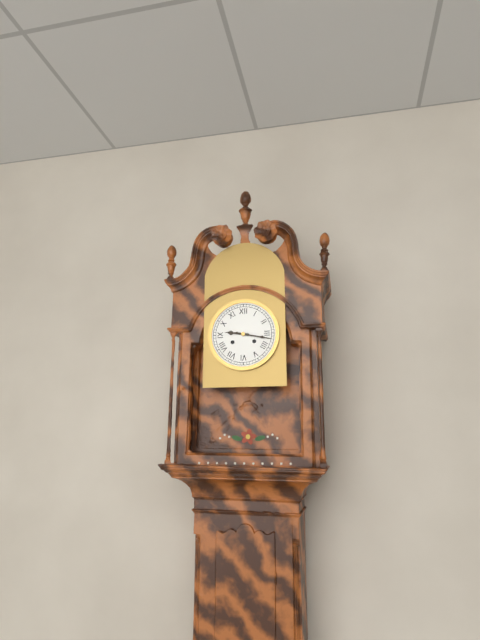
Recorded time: 9:17
